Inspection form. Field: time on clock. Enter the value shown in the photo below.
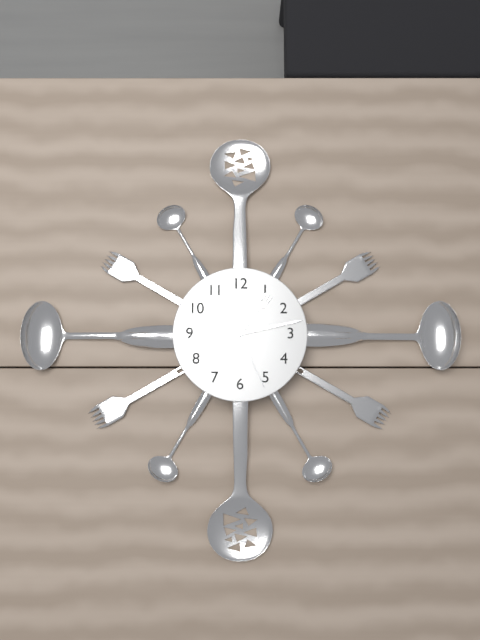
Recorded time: 1:13:26
